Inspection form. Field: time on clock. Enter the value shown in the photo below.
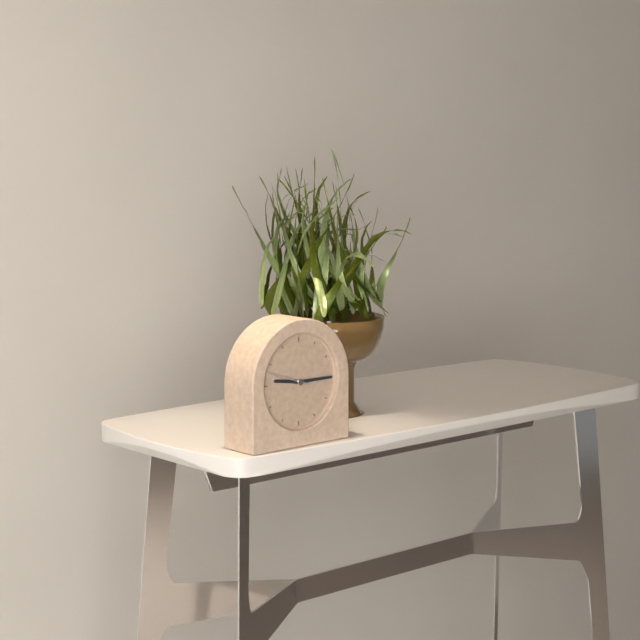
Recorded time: 9:15
